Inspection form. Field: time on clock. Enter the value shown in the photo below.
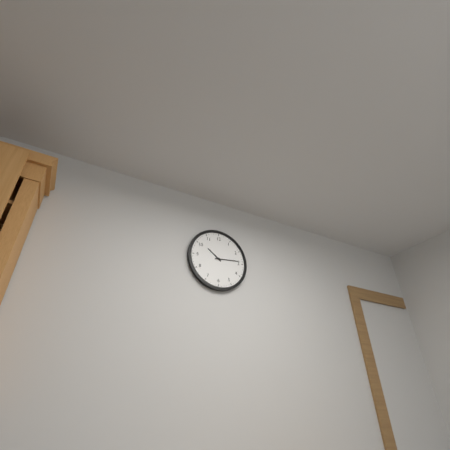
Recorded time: 10:14
